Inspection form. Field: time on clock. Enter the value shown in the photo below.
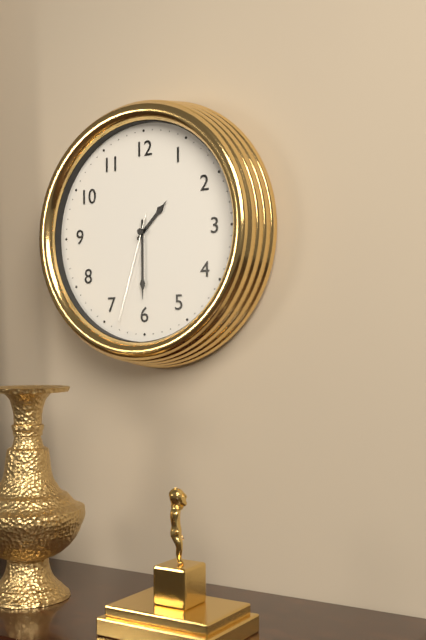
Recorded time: 1:30:33
